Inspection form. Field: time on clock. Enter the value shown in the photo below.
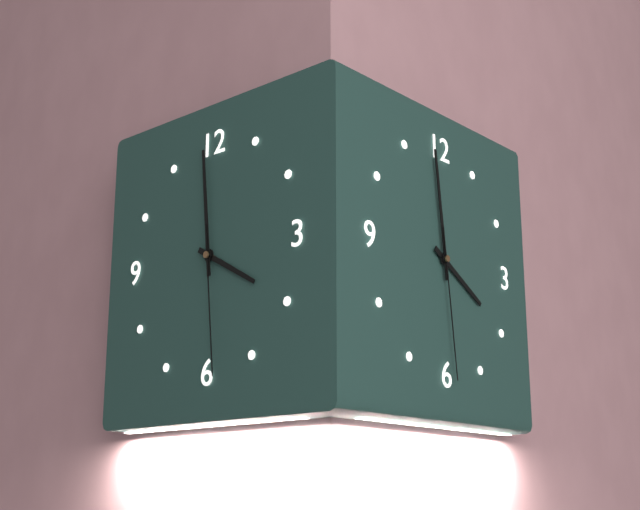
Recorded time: 3:59:29
